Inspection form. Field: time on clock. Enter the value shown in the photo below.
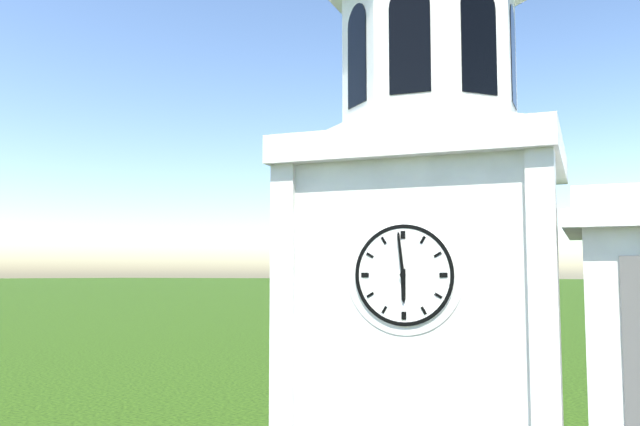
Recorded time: 5:59
